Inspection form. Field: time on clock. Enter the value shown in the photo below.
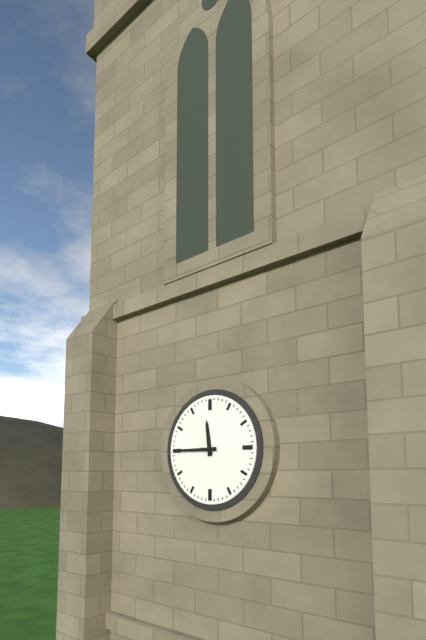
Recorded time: 11:45
